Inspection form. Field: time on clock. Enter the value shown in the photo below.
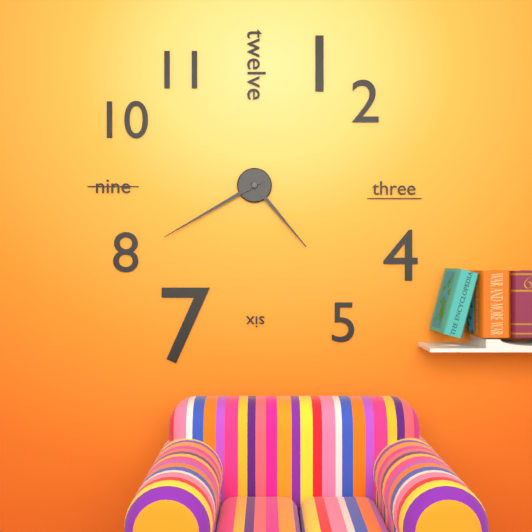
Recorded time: 4:40
